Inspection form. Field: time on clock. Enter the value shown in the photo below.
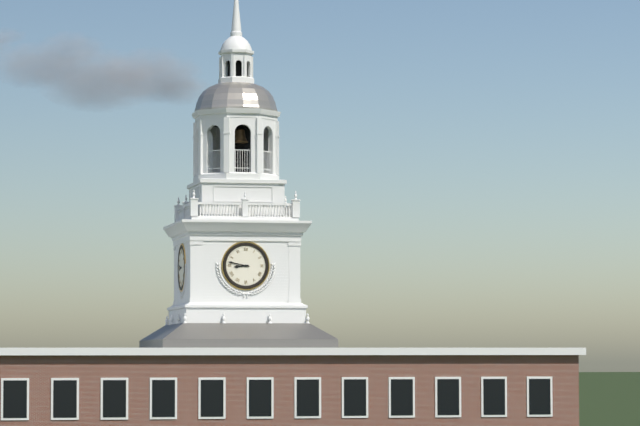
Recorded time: 8:47
